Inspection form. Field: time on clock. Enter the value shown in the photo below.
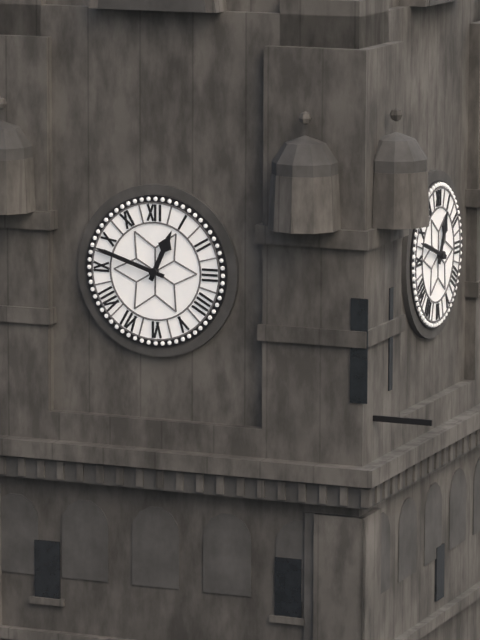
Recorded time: 12:48
